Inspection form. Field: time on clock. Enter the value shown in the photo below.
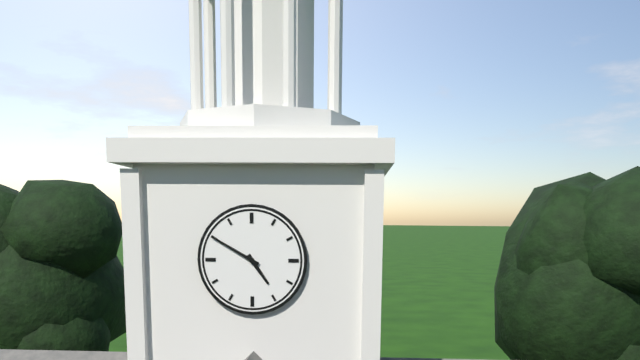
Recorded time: 4:50
